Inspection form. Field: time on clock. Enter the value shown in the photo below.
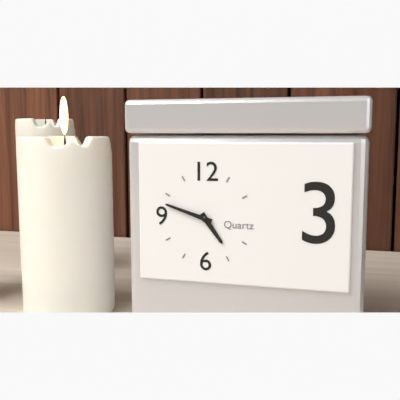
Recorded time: 4:48
